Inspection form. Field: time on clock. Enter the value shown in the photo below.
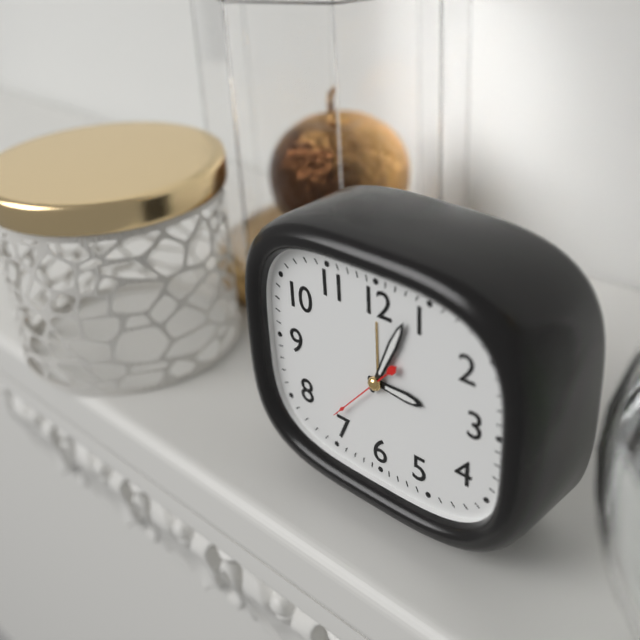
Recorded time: 3:04:37
